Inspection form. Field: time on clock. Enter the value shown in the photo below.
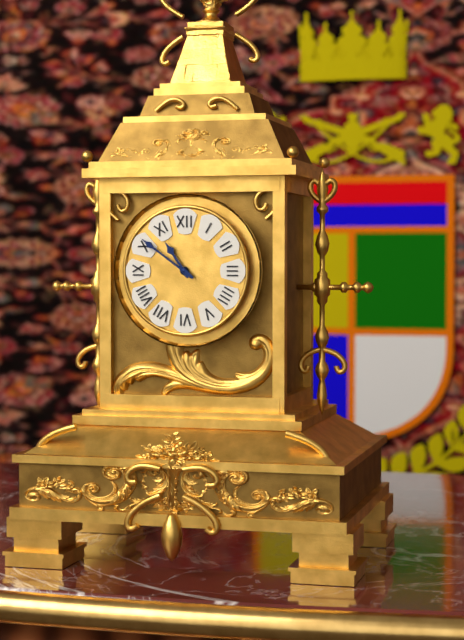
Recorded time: 10:51
